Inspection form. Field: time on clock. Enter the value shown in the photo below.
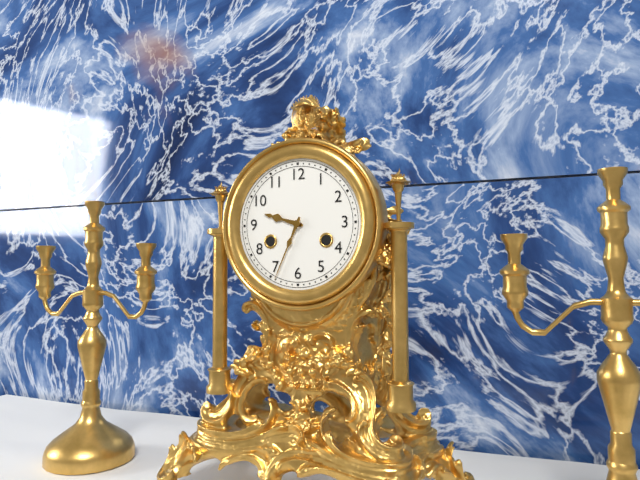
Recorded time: 9:34
